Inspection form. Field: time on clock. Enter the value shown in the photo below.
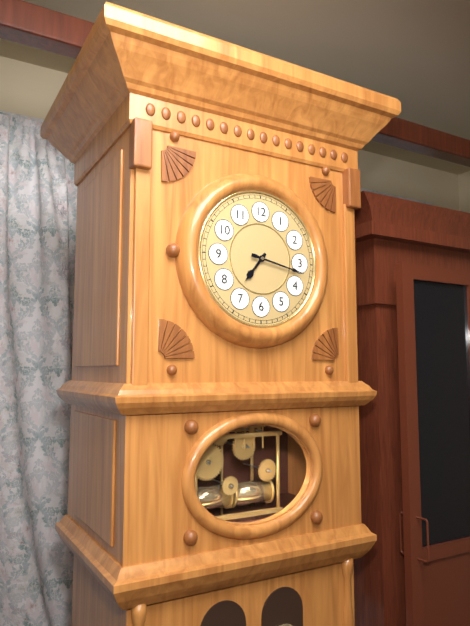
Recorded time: 7:17
